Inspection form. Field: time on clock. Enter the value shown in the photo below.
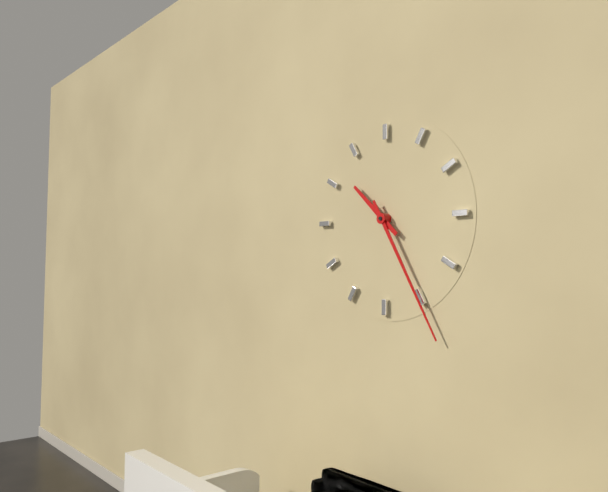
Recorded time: 10:25
